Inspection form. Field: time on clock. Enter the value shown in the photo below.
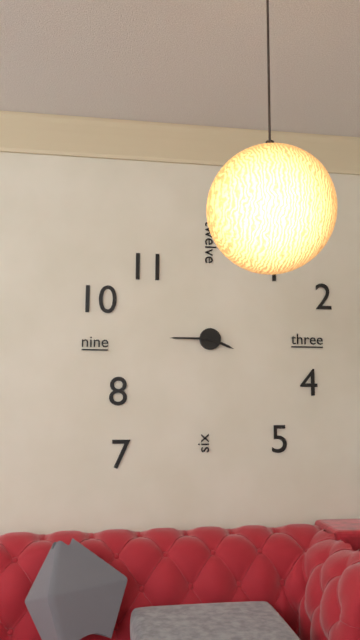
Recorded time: 3:45
